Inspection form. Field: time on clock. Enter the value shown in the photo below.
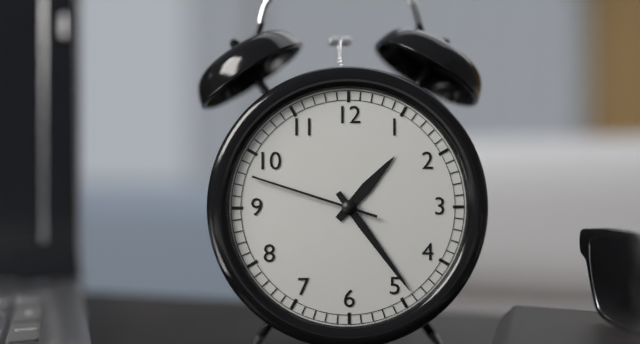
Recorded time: 1:24:48
